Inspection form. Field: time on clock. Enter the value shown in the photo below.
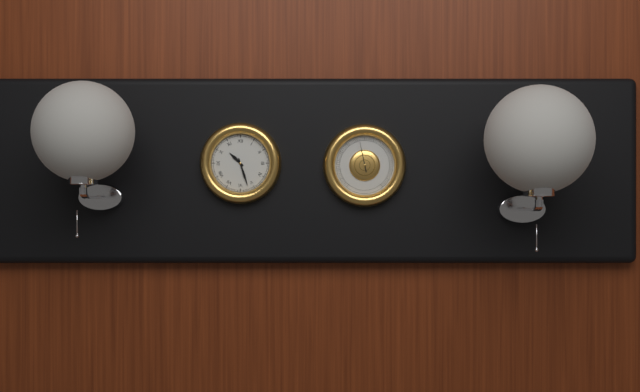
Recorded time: 10:27
